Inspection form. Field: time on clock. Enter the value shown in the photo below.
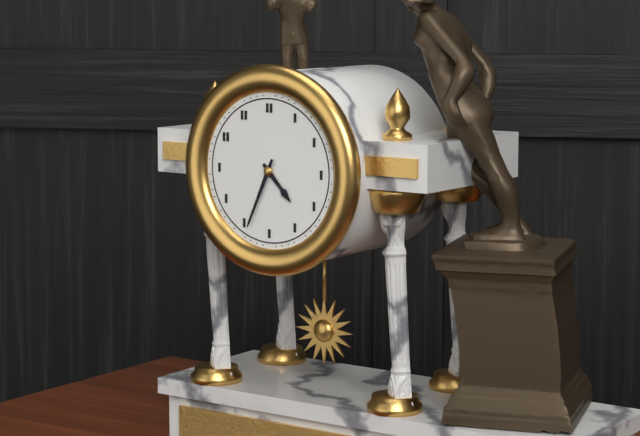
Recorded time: 4:34
